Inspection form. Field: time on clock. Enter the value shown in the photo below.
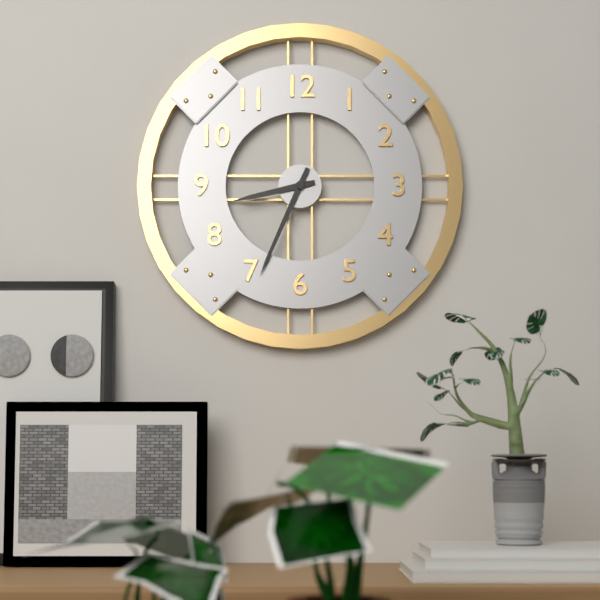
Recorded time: 8:34
